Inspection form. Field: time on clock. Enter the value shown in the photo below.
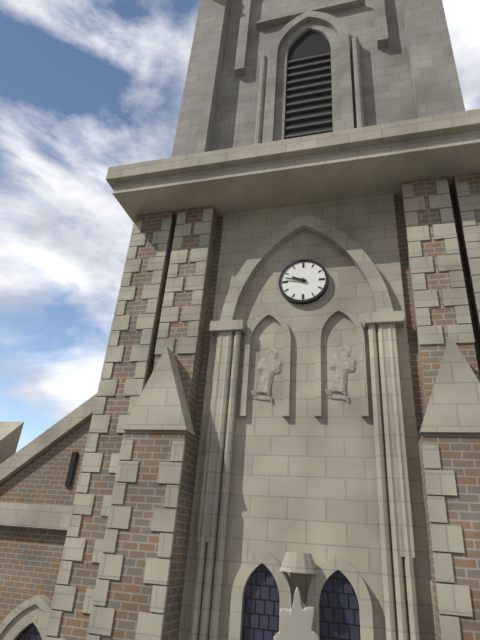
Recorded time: 9:47
